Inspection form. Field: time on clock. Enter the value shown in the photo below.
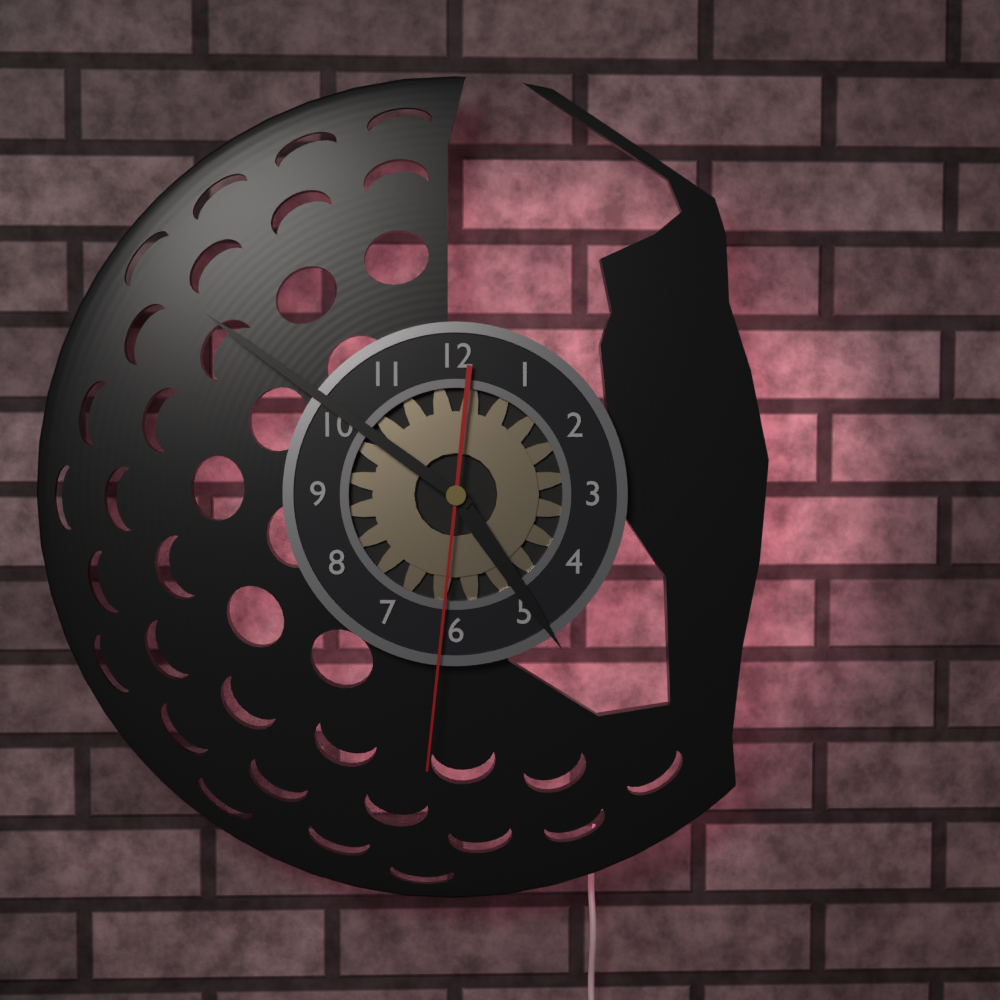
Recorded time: 4:51:31
